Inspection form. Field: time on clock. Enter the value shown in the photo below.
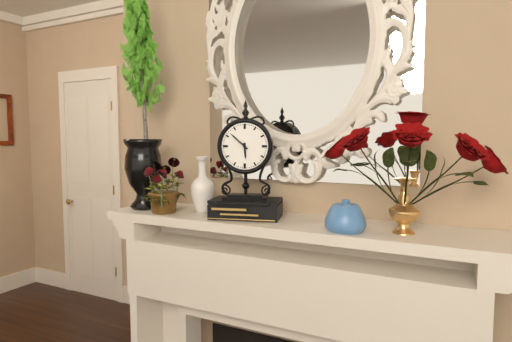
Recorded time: 5:52
